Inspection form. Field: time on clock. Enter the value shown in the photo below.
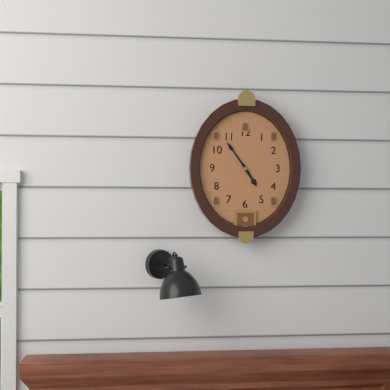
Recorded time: 4:54
